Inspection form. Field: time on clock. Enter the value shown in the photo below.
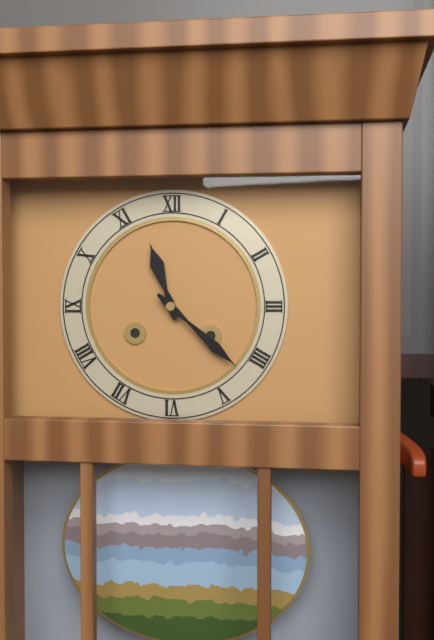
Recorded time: 11:22
